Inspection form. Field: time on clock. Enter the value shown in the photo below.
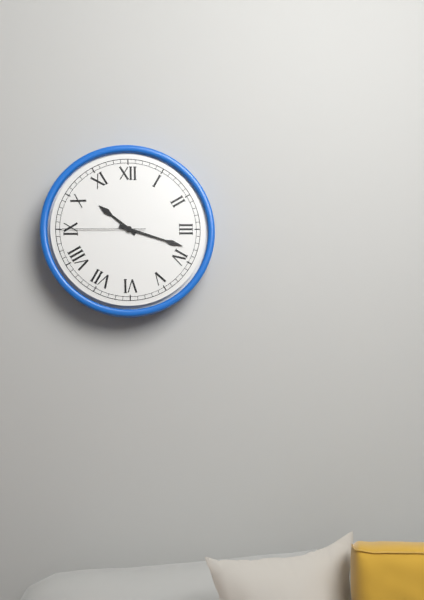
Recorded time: 10:18:45
